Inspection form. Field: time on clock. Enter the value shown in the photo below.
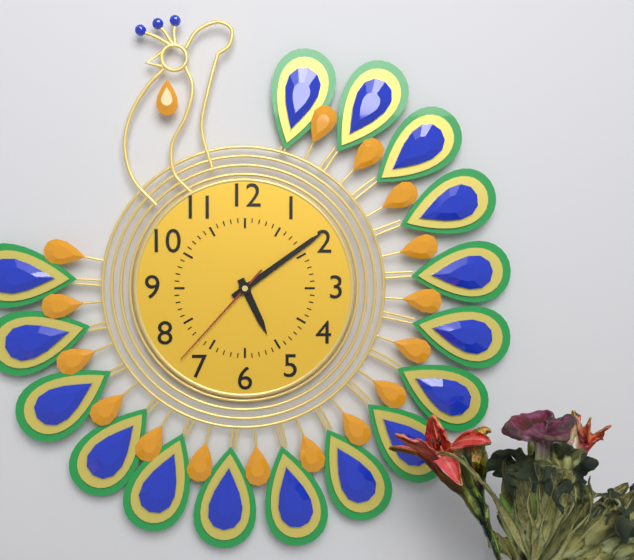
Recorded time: 5:09:37
